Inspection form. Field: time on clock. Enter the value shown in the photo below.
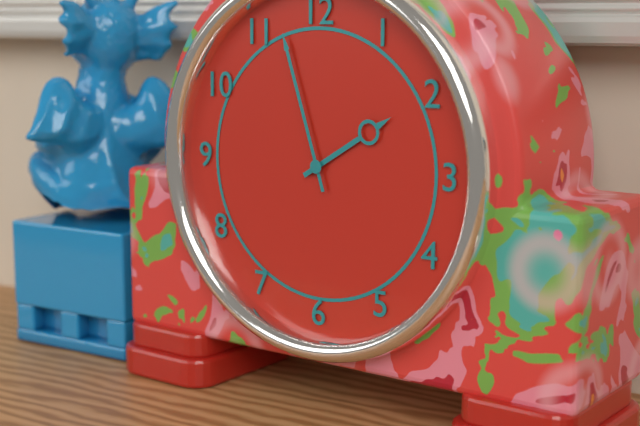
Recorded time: 1:57
